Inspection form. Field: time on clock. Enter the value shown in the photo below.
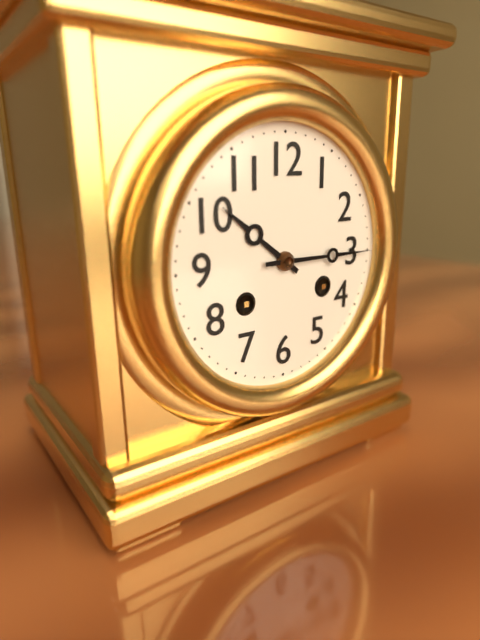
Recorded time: 10:15
